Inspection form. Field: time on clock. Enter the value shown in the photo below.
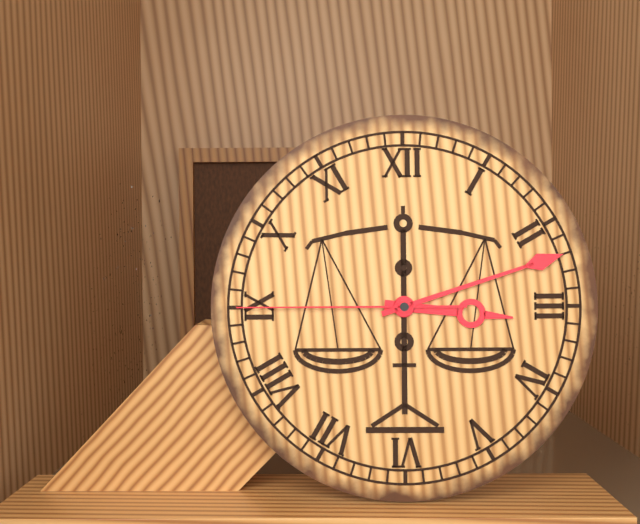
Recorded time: 3:12:45
